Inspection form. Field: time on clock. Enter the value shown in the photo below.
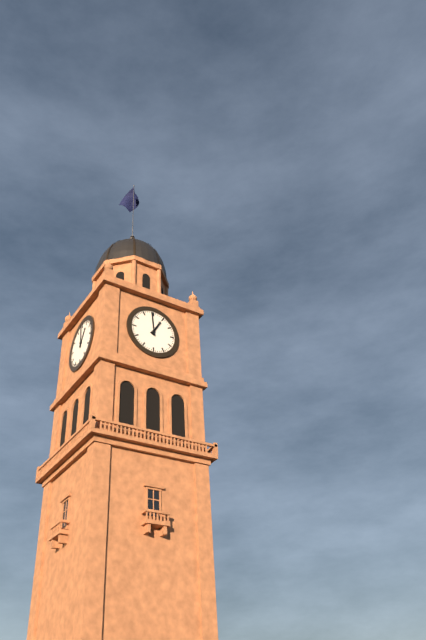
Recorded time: 12:59
